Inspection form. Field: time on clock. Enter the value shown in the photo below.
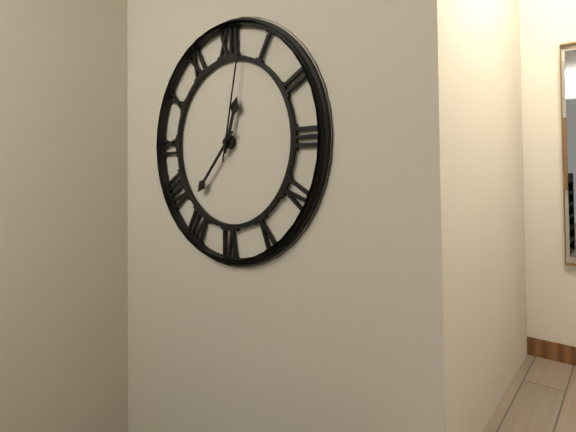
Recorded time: 12:37:02
